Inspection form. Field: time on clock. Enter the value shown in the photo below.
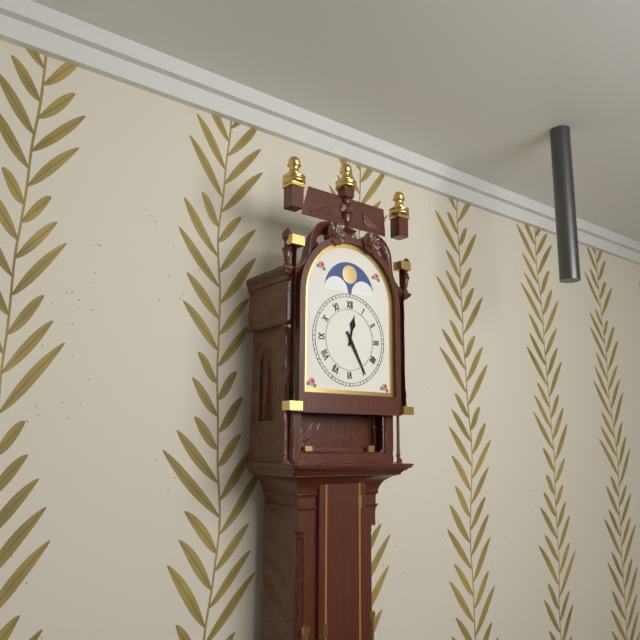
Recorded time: 12:25
